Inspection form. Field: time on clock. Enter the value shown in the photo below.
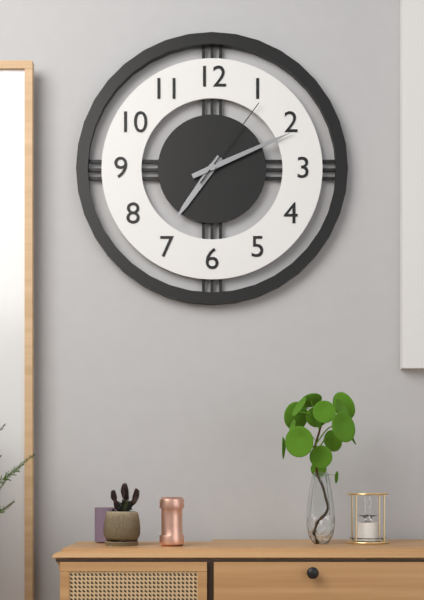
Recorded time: 7:11:06
